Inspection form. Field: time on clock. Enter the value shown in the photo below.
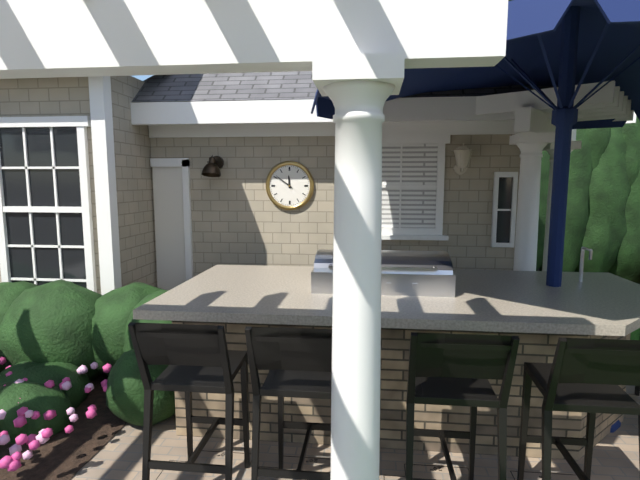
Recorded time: 11:51
